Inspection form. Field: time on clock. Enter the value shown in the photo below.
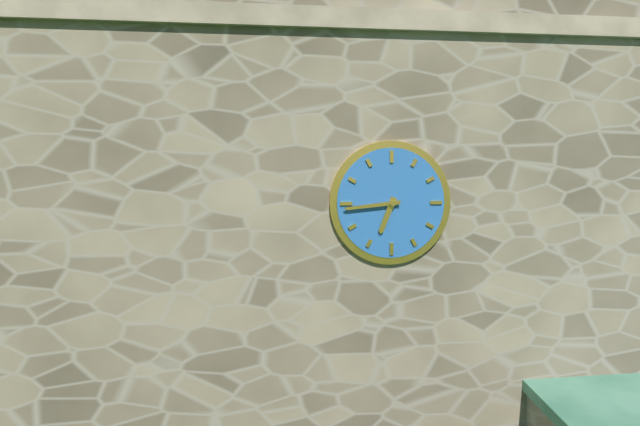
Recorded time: 6:44
